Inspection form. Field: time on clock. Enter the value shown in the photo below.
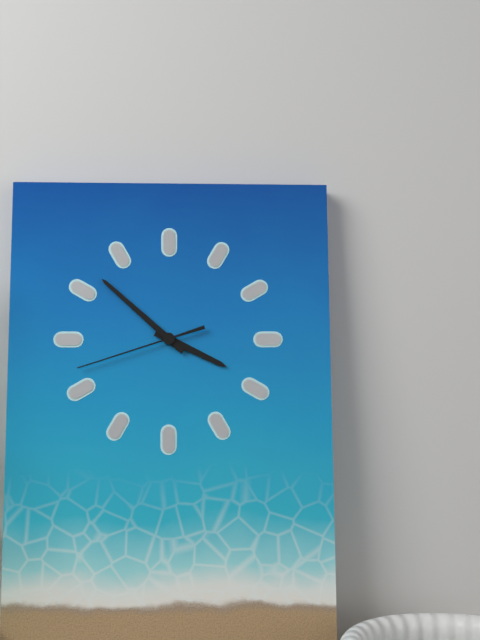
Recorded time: 3:52:42
